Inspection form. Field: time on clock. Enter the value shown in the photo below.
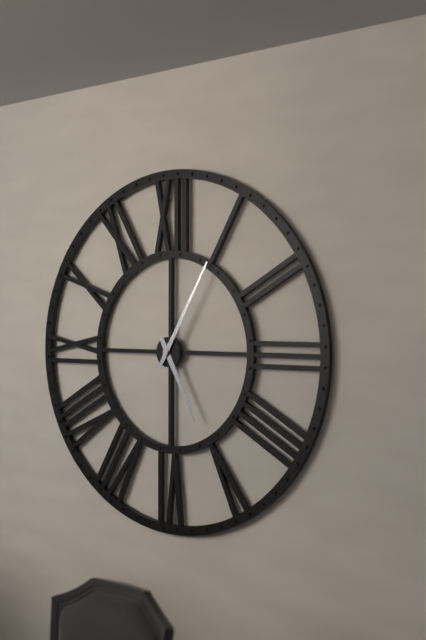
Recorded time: 5:05
